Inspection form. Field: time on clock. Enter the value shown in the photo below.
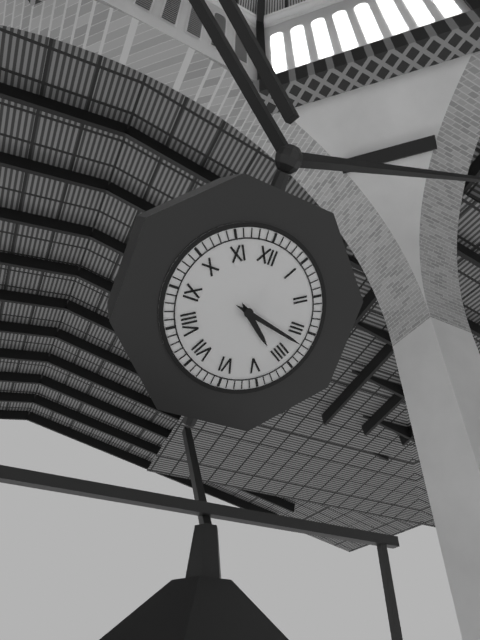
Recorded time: 4:17
